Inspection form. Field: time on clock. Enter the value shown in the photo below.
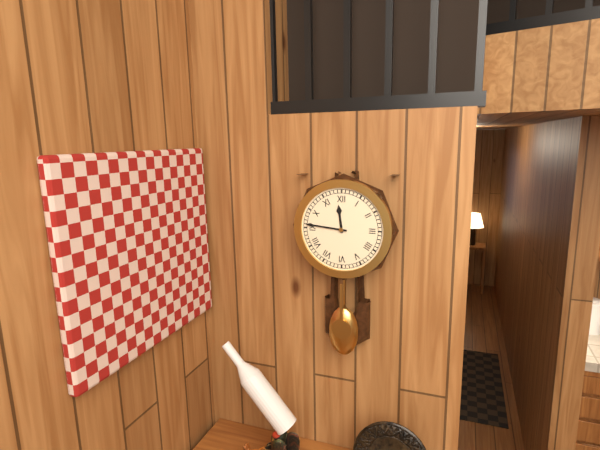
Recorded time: 11:46
